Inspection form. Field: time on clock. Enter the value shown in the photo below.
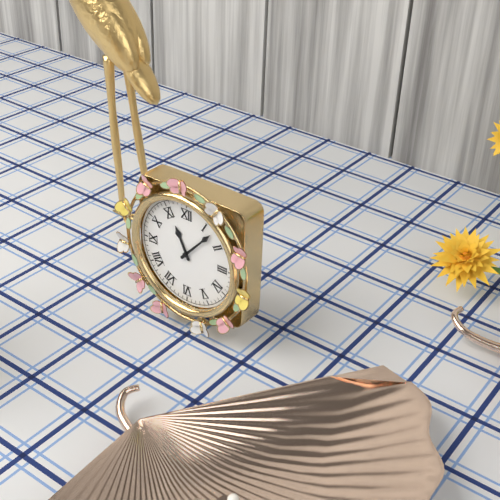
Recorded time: 11:07
